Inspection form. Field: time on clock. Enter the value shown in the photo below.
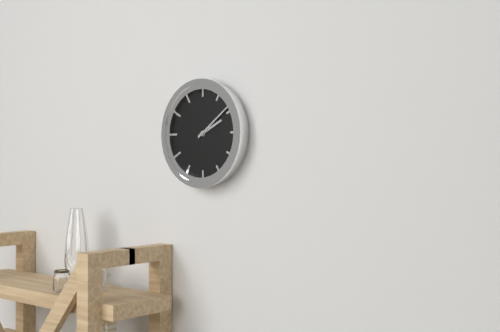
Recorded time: 2:09
